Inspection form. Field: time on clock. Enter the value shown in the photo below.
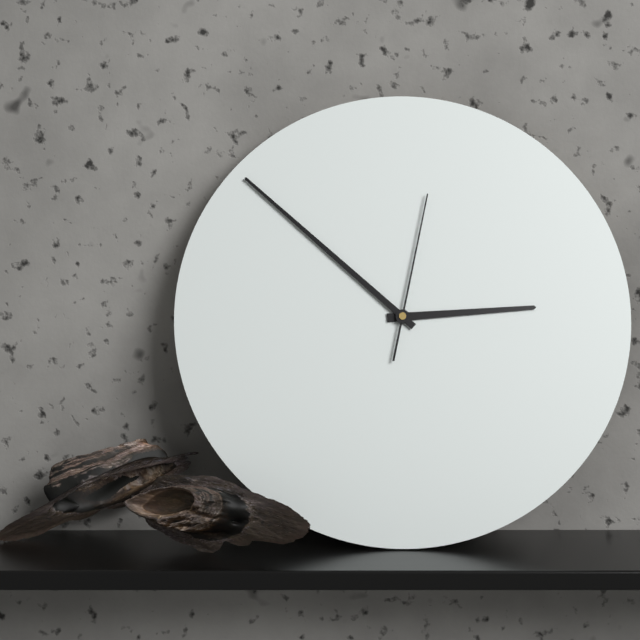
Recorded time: 2:52:02
